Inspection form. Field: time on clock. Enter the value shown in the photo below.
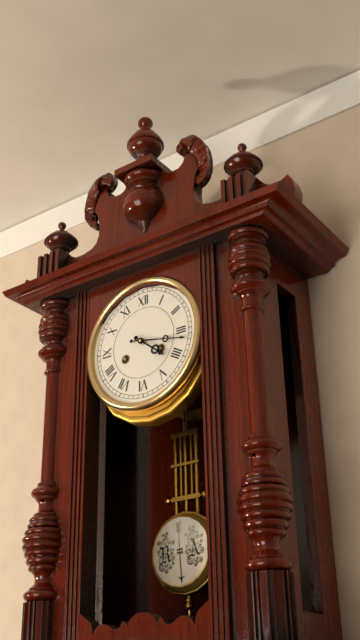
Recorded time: 4:17
